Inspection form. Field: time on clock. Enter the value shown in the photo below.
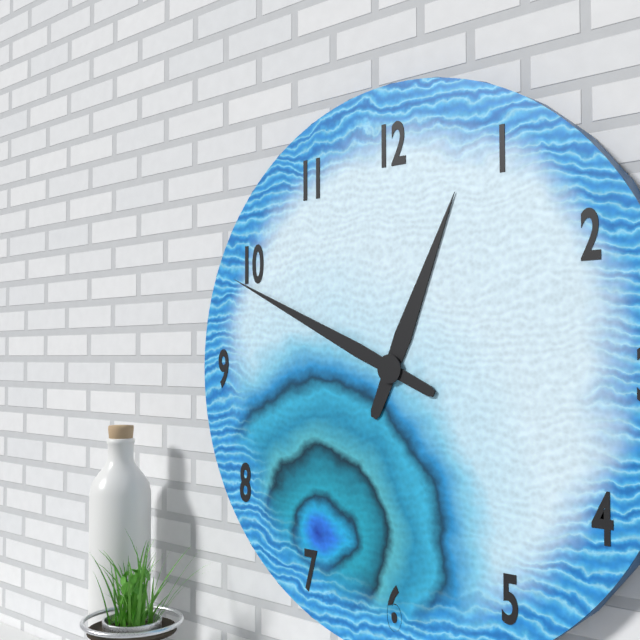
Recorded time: 12:49
